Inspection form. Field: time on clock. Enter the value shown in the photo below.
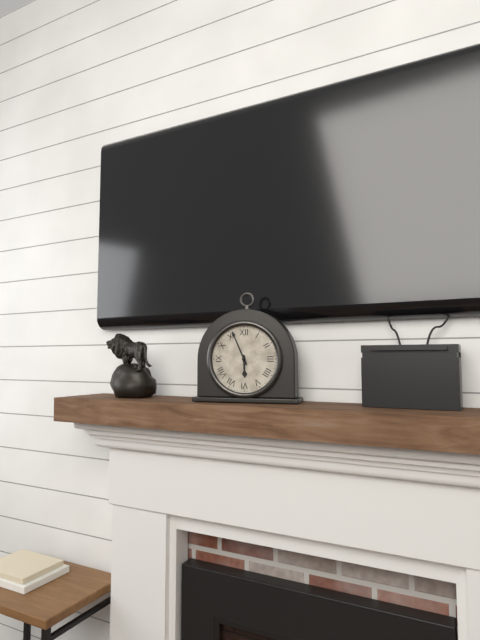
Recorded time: 5:56
